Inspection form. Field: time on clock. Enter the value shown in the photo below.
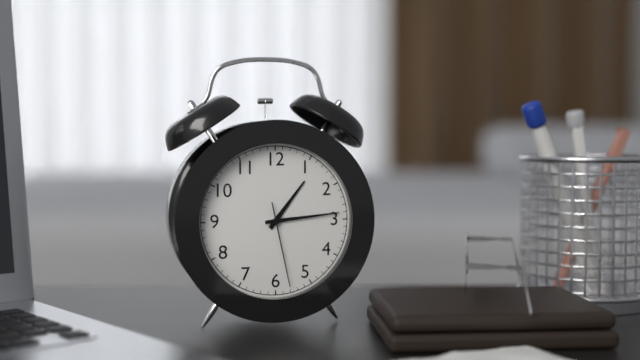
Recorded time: 1:14:28
